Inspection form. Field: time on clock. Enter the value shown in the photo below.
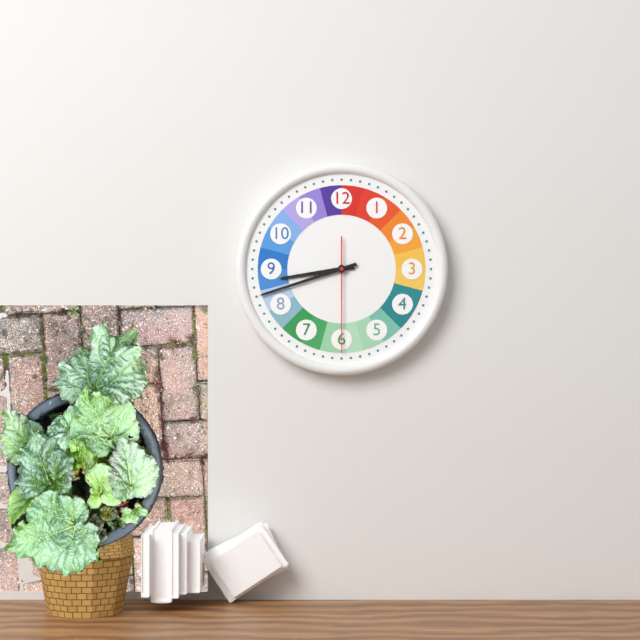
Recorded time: 8:42:30
